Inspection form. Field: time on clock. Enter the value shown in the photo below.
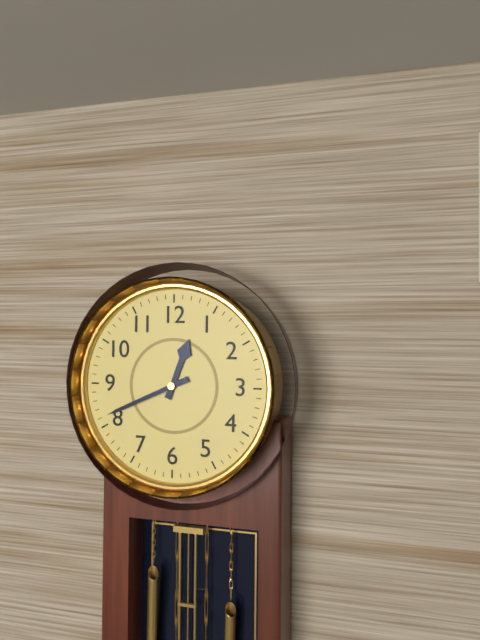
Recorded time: 12:41
